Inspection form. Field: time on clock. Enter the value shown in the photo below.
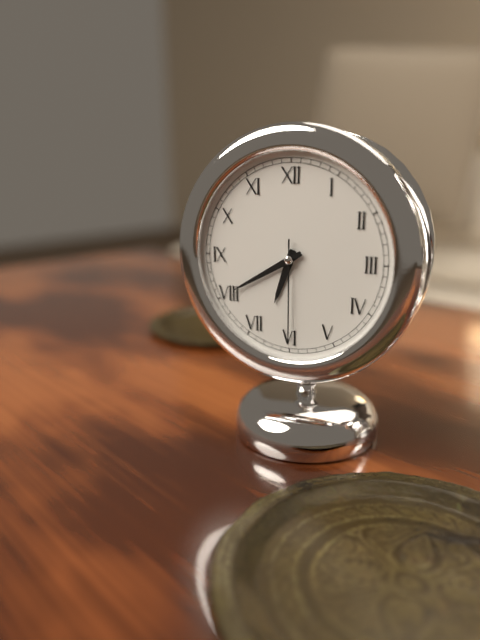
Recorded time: 6:40:30
